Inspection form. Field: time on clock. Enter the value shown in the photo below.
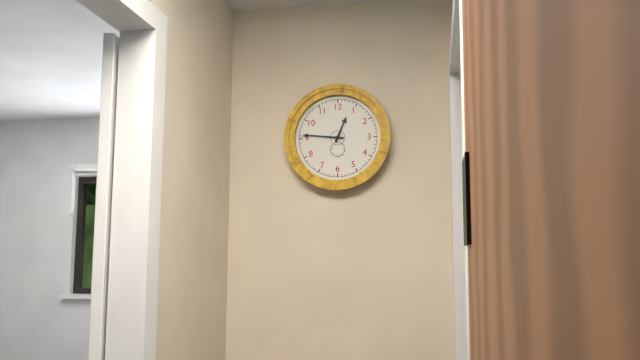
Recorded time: 12:46
